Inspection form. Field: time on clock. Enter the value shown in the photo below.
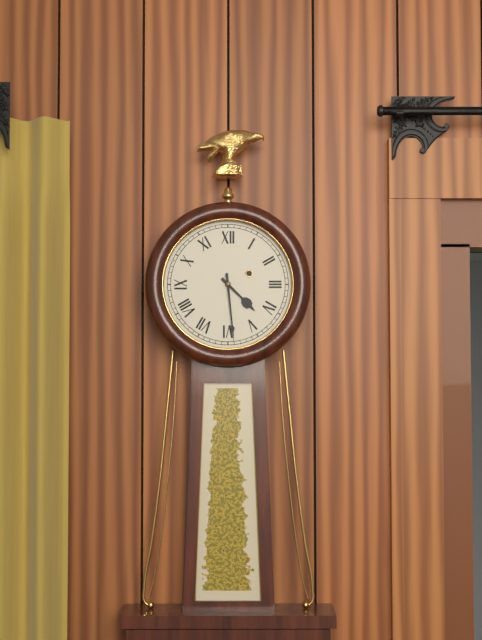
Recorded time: 4:29
